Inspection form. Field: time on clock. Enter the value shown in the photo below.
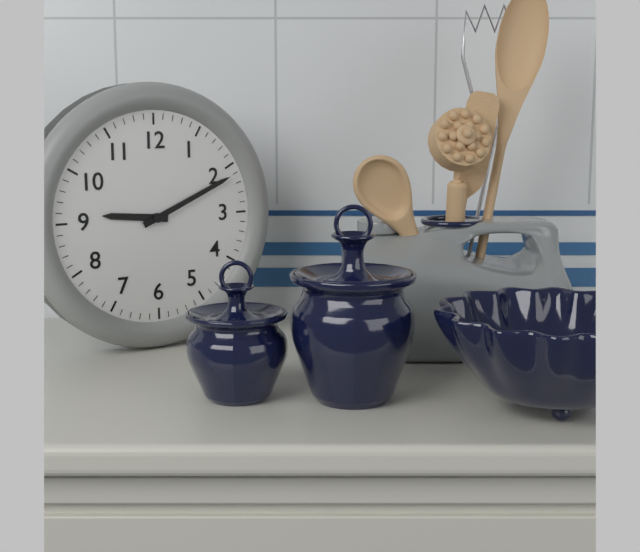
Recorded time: 9:11
